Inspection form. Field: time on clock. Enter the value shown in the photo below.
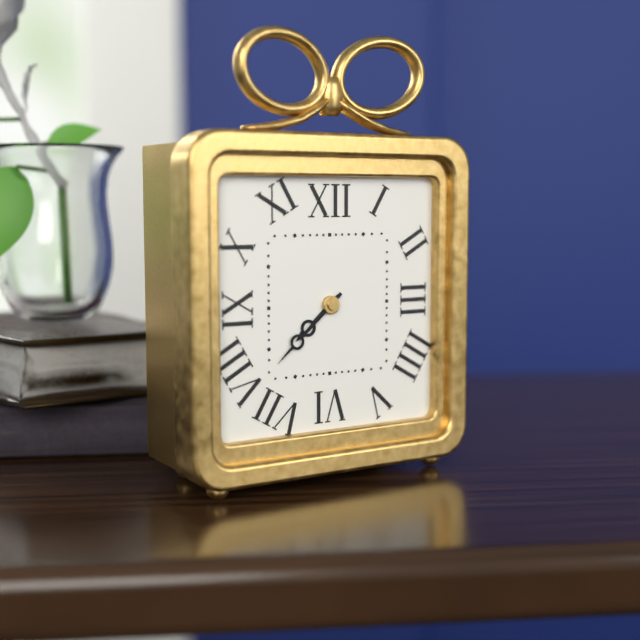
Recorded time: 7:38
